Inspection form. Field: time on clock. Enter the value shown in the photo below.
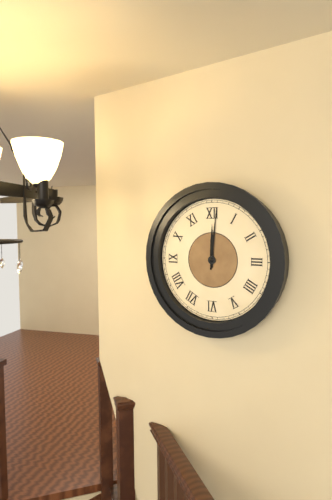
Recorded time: 12:01
